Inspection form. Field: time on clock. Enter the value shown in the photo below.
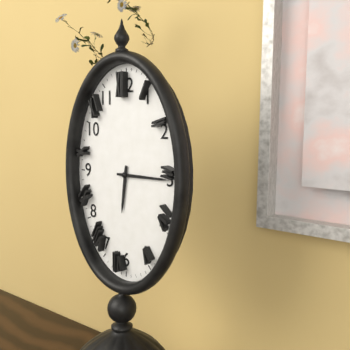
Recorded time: 6:15
